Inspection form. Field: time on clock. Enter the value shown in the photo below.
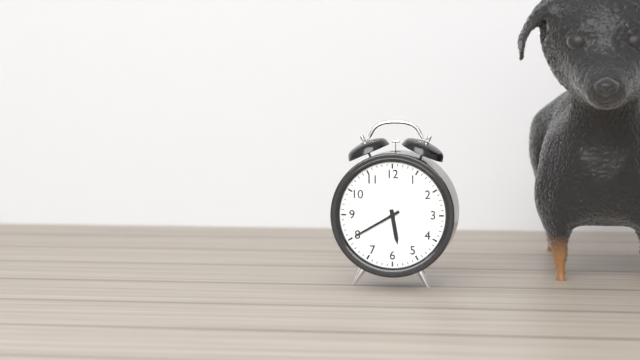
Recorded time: 5:40
